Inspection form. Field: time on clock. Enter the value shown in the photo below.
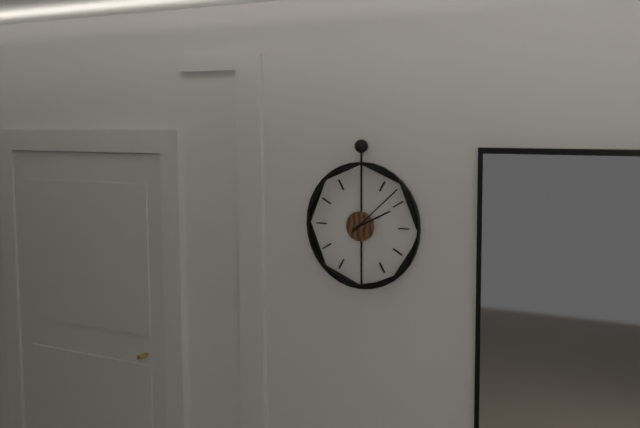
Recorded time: 2:08
